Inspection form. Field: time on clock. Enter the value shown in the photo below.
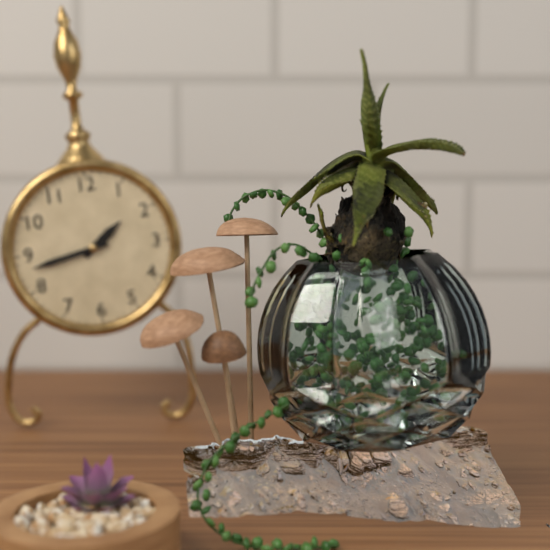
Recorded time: 1:43
